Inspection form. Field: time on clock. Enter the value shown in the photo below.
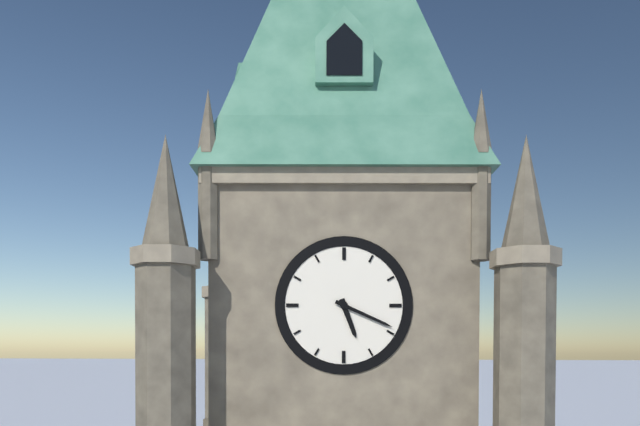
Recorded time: 5:19
